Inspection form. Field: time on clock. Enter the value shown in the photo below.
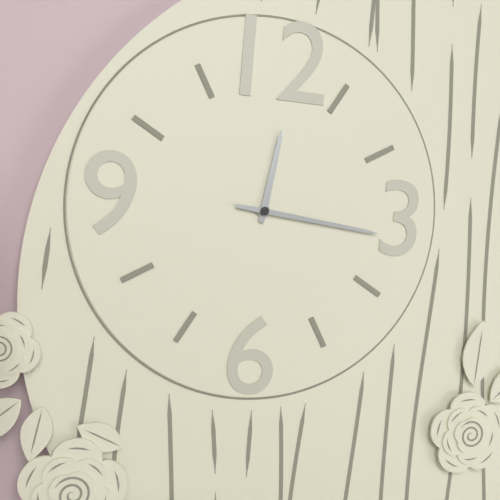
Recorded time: 12:16
